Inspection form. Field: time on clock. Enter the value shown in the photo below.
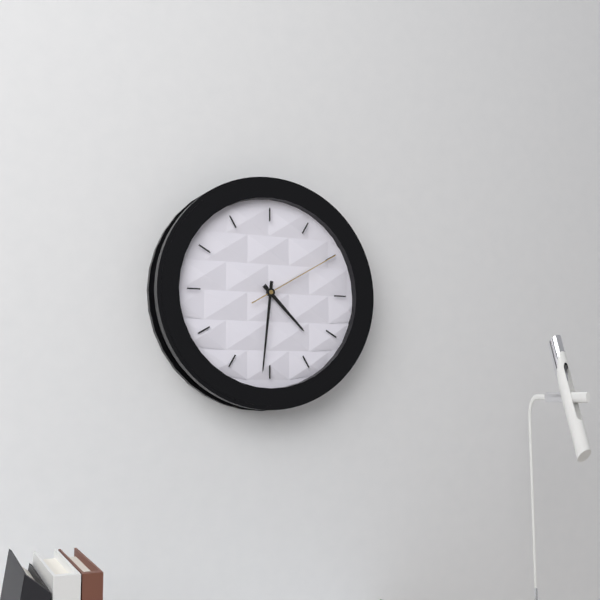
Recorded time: 4:31:10
